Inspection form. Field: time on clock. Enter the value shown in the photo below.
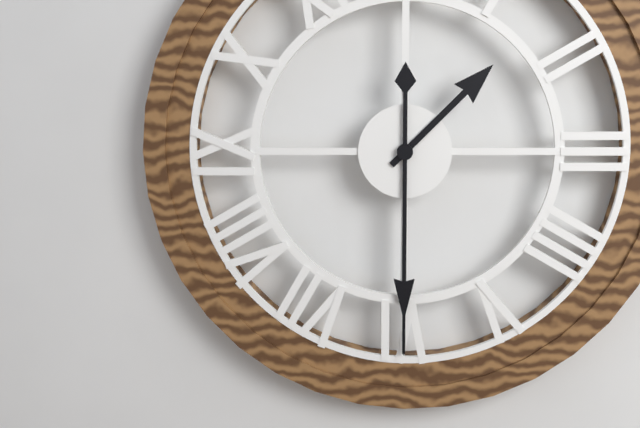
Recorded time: 1:30
